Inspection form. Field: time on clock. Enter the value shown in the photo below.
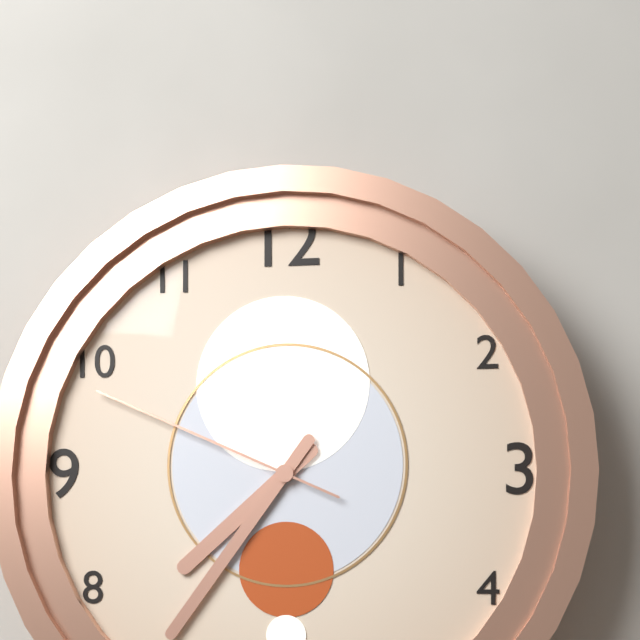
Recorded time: 7:36:49
